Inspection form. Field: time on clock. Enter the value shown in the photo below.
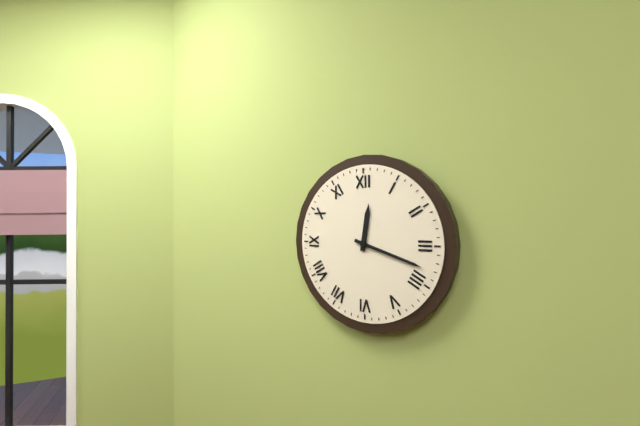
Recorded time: 12:18
